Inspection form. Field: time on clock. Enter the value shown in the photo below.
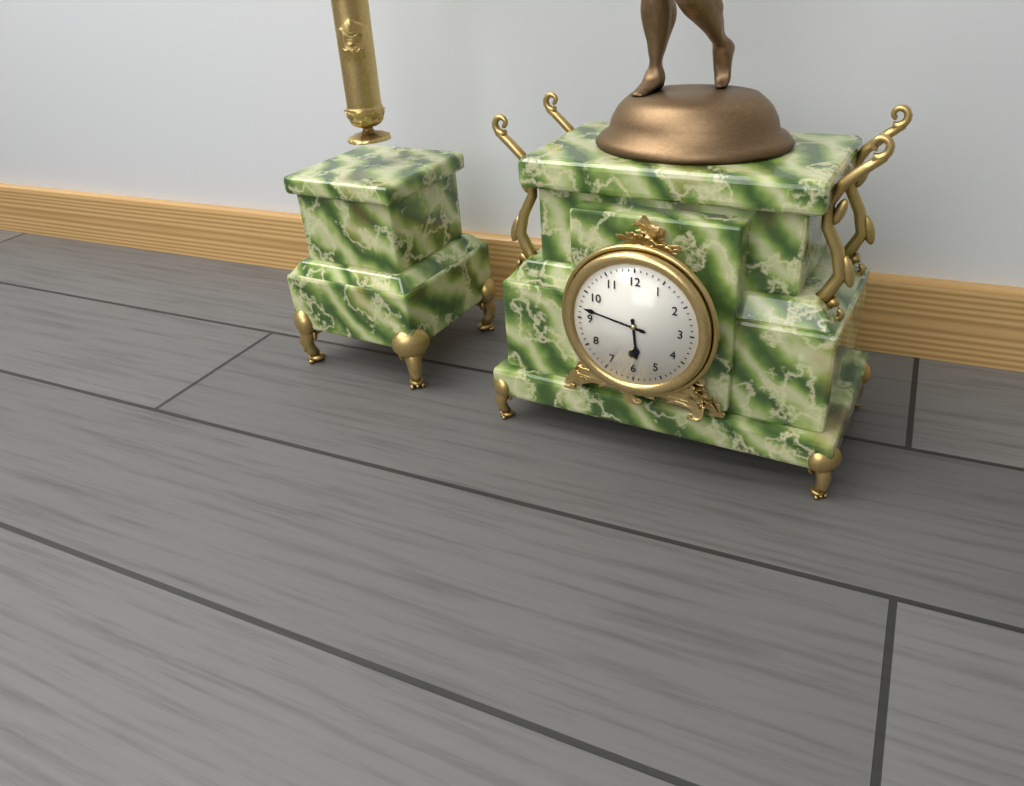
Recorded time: 5:47
